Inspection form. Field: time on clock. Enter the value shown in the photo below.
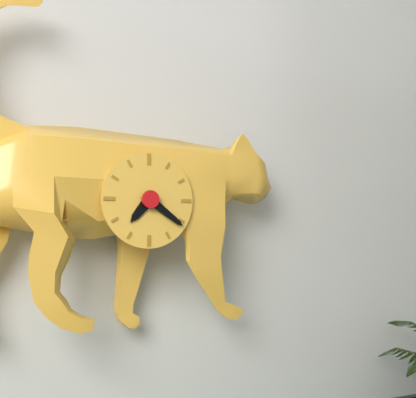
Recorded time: 7:21
